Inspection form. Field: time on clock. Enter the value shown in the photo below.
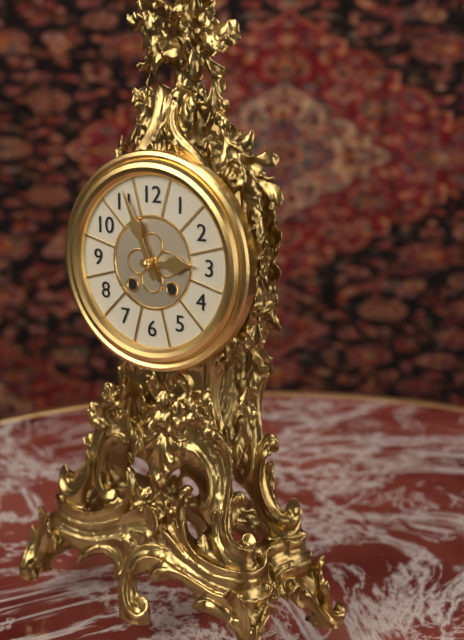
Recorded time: 2:56
